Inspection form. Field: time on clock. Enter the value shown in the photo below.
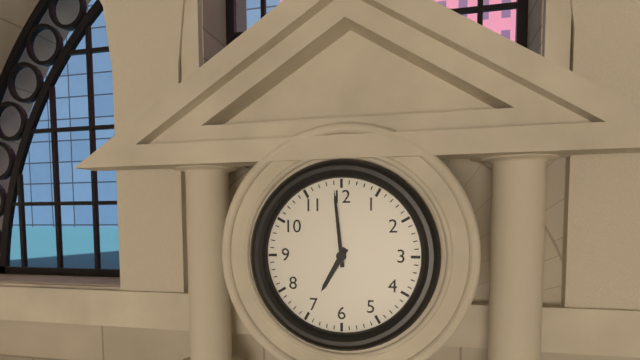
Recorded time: 6:59
